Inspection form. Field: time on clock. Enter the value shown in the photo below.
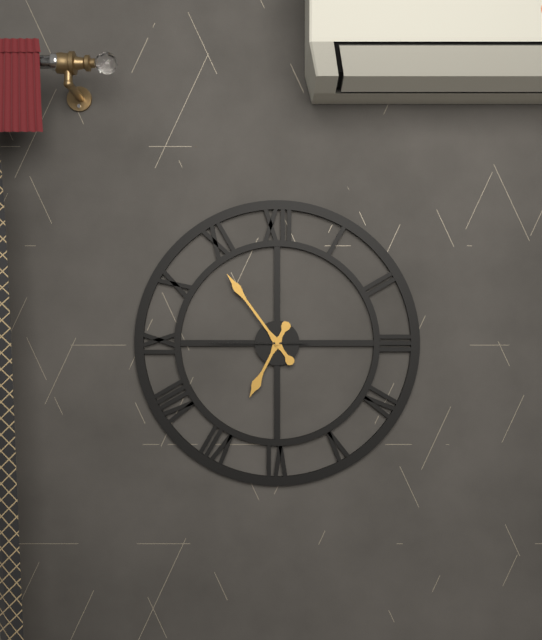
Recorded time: 6:54:45
